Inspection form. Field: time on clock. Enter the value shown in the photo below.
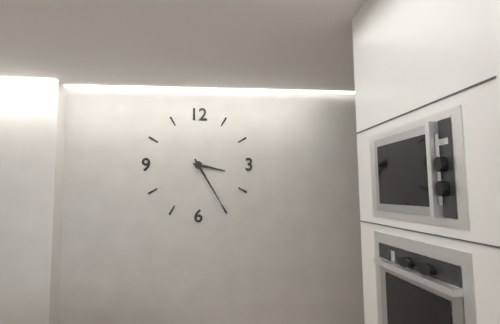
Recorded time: 3:25
